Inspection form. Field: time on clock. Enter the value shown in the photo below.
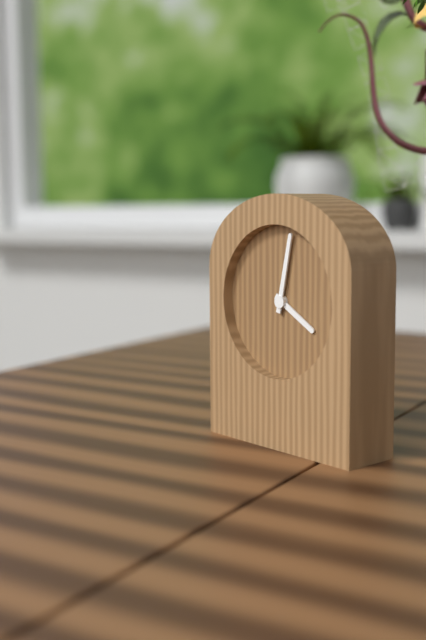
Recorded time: 4:02
